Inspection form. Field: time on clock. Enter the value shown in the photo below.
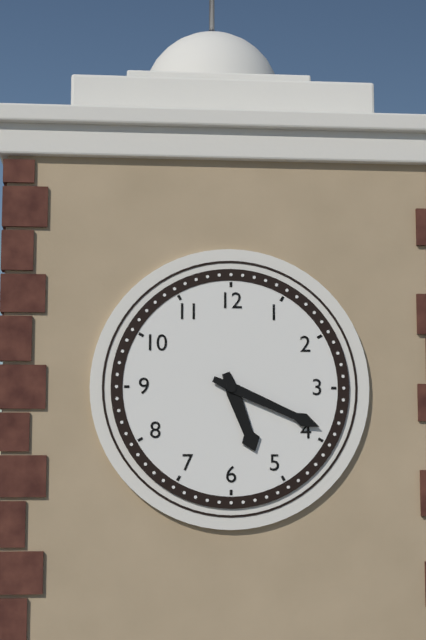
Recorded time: 5:19
